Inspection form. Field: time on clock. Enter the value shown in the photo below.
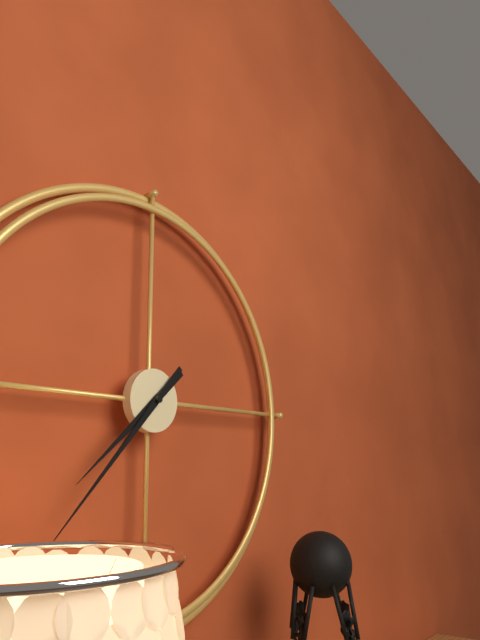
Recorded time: 7:37
